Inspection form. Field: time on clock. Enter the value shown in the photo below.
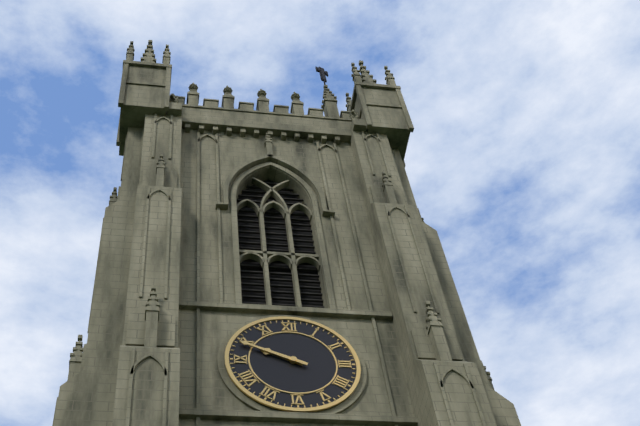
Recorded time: 9:49
